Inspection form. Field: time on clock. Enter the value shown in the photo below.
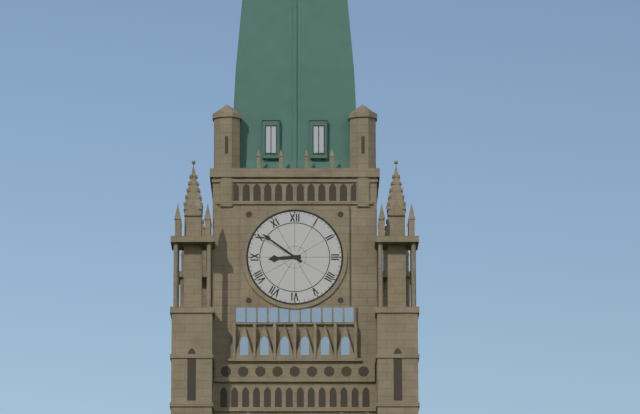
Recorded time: 8:51
